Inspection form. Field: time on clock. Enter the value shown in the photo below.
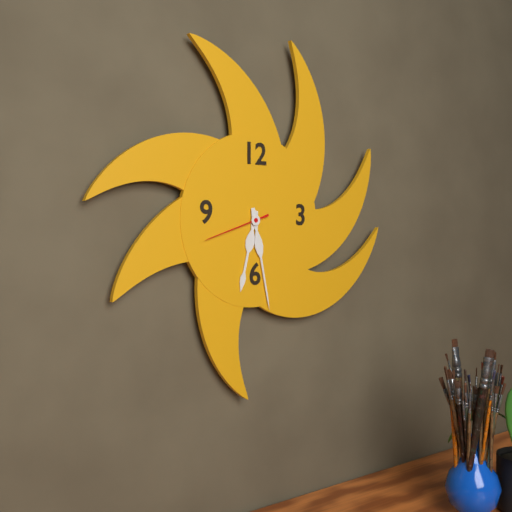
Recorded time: 6:28:42
